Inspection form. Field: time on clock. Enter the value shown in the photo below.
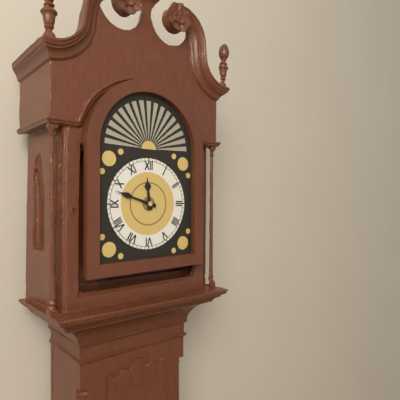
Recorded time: 11:48
